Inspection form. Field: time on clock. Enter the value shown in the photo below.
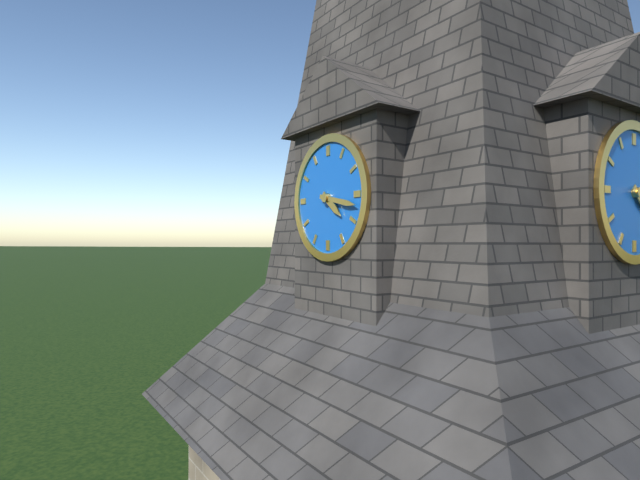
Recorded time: 4:17
